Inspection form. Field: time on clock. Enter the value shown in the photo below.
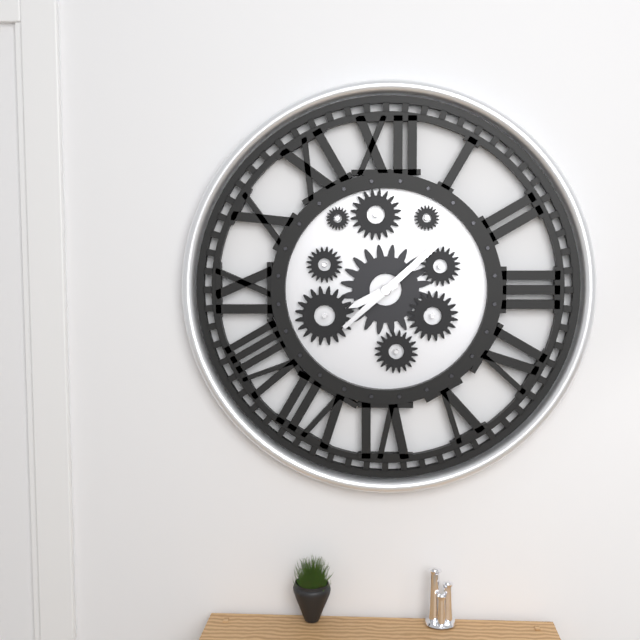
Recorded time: 8:08
